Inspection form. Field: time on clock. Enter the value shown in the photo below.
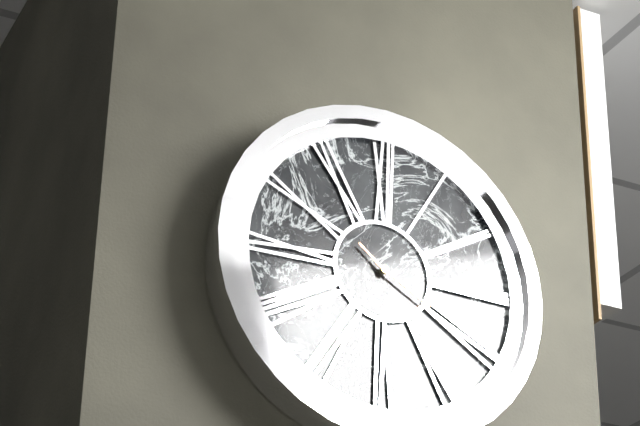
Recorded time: 10:20
